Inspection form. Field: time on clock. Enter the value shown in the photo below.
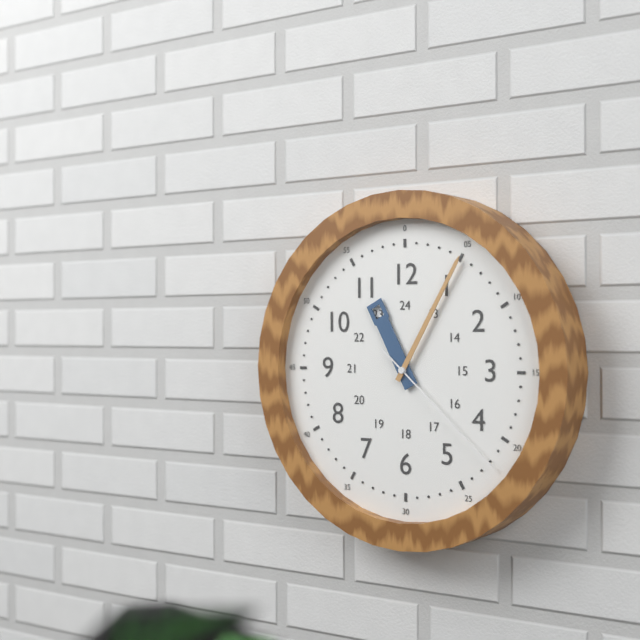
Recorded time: 11:05:22
